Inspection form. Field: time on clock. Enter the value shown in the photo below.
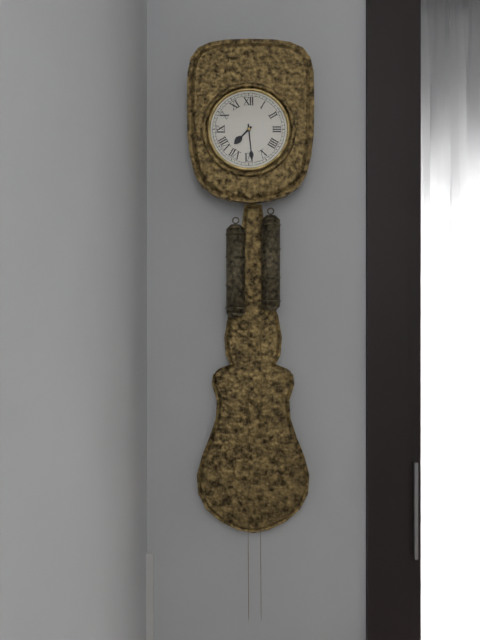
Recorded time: 7:29
